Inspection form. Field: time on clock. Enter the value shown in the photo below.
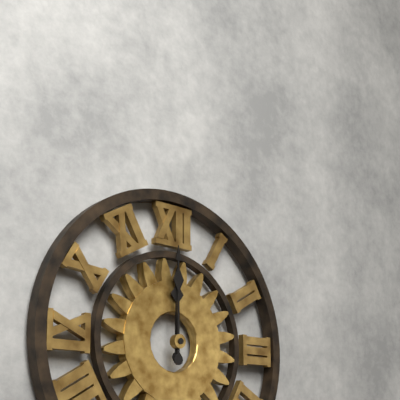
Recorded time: 12:00
